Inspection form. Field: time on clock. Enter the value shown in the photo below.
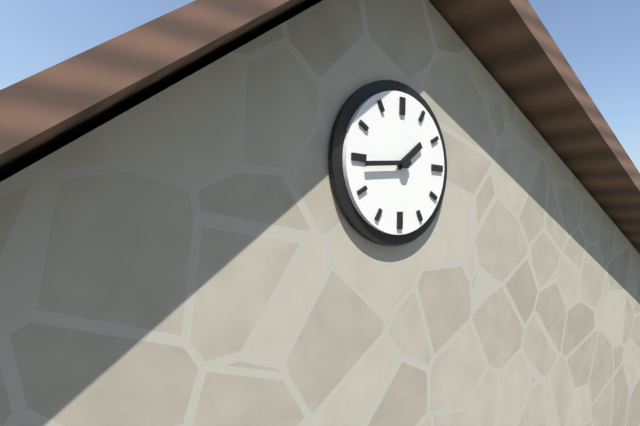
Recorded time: 1:44
